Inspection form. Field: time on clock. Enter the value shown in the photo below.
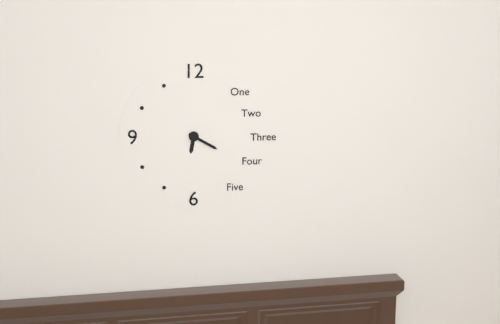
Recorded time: 6:20
